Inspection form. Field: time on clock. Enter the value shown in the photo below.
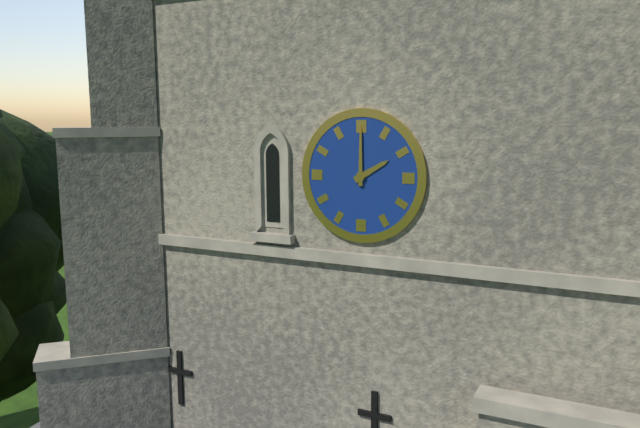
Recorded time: 2:00
